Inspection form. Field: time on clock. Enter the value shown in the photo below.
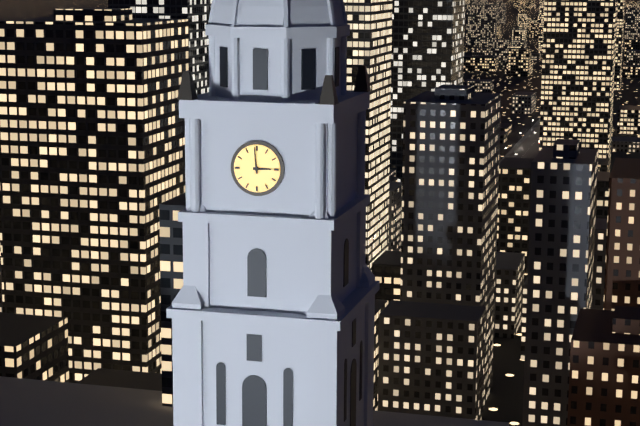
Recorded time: 2:59
